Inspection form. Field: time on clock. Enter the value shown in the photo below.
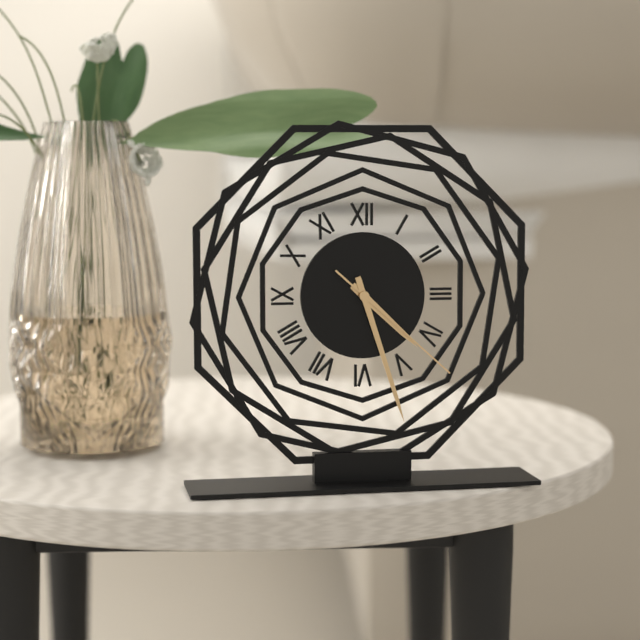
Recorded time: 4:27:22
